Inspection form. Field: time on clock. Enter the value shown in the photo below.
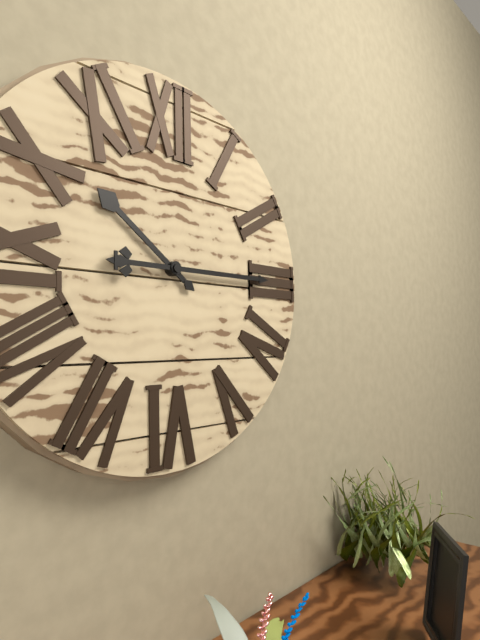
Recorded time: 10:15
